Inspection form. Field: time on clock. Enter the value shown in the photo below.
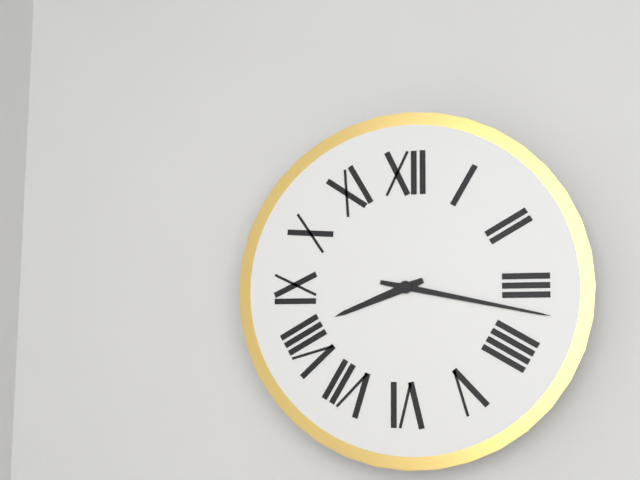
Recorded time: 8:17
